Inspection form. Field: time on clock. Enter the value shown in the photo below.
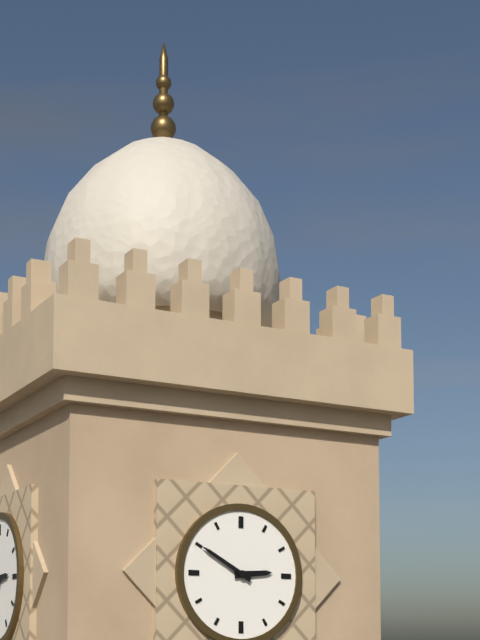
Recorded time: 2:50
